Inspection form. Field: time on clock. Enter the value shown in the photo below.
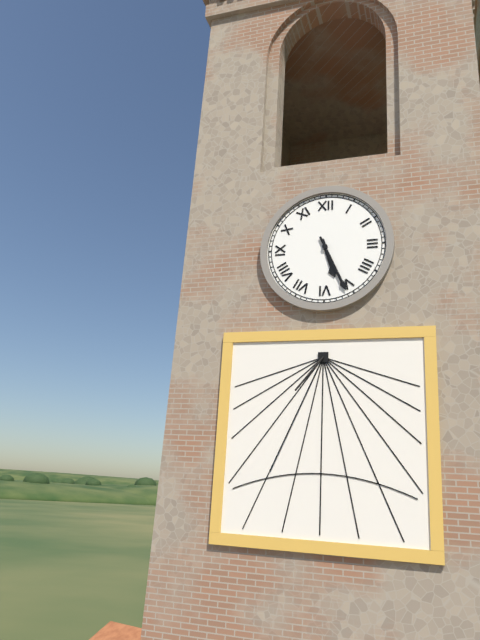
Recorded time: 5:26
